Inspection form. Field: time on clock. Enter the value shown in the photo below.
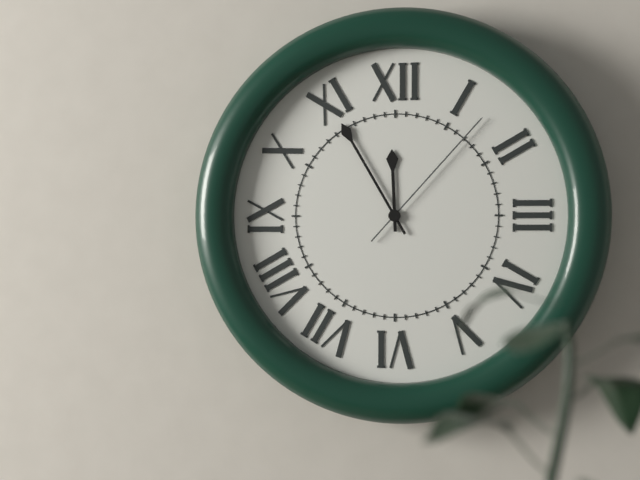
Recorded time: 11:55:07
